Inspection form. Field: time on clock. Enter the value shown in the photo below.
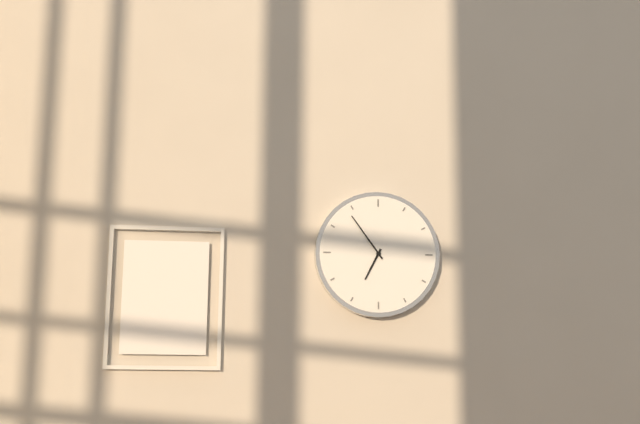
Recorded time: 6:54
